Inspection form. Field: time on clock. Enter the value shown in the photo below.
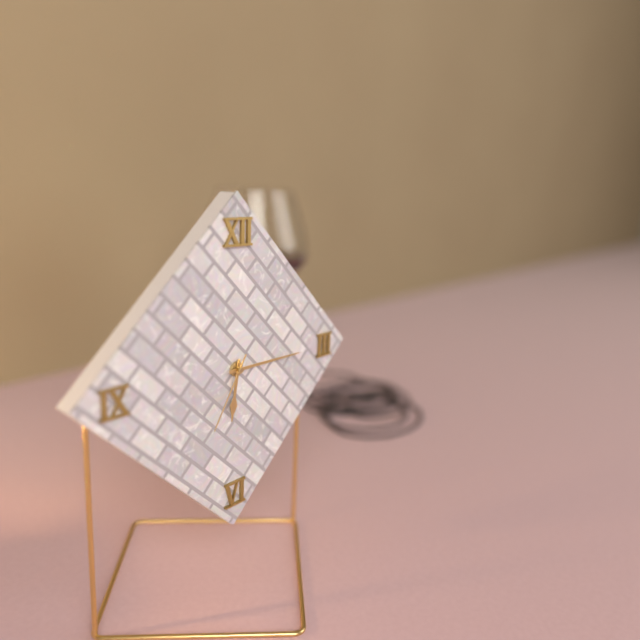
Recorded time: 6:15:35
